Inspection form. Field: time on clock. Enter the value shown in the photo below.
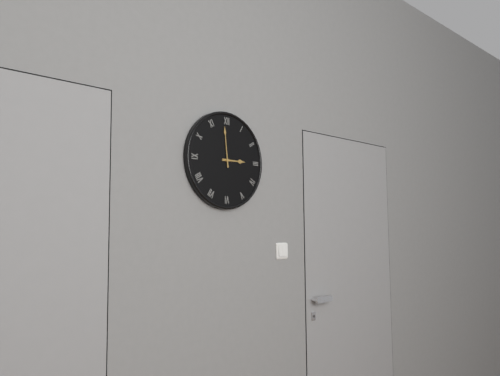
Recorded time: 2:59
